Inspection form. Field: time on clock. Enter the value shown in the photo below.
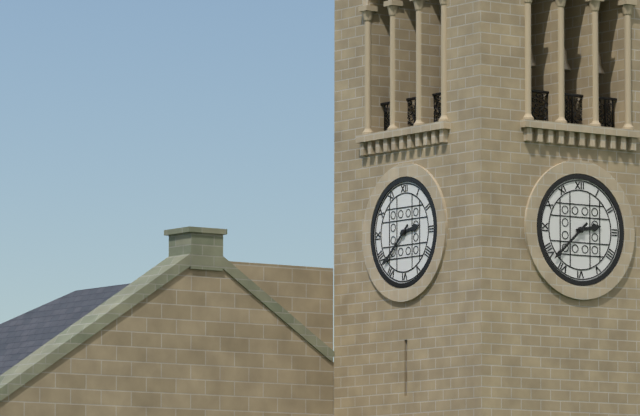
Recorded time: 2:38
